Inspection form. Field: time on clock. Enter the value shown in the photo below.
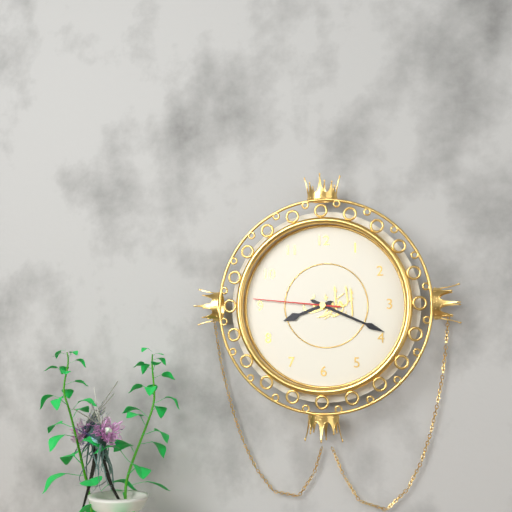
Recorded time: 8:19:46
